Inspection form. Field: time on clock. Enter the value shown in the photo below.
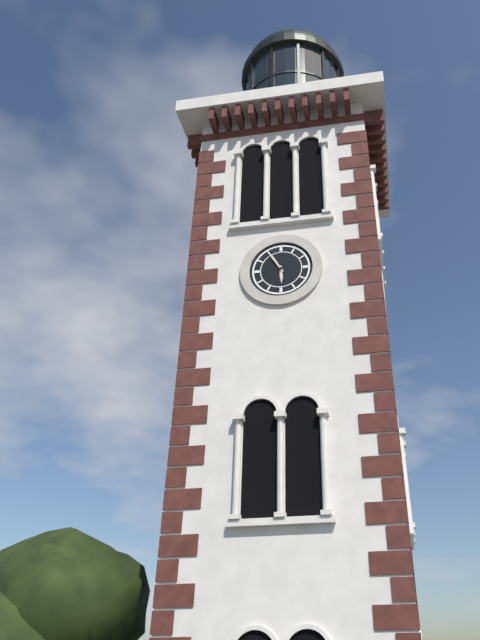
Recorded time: 5:55
